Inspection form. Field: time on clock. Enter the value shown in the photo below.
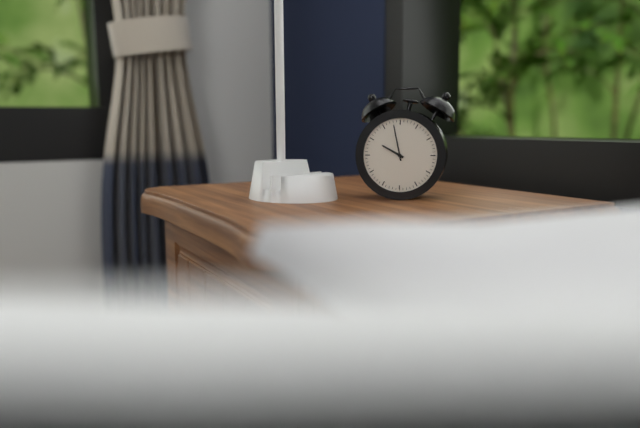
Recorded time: 9:58
